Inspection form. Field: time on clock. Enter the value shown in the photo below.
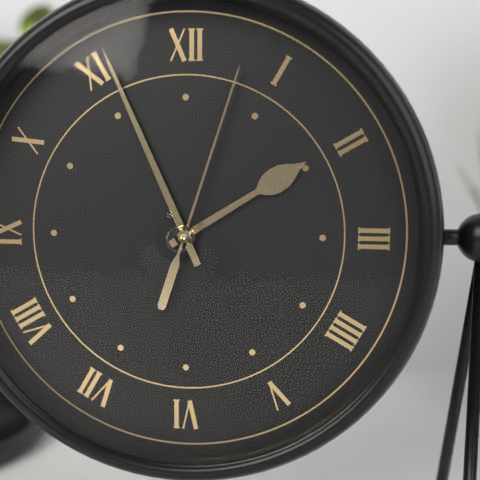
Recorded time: 1:56:03
